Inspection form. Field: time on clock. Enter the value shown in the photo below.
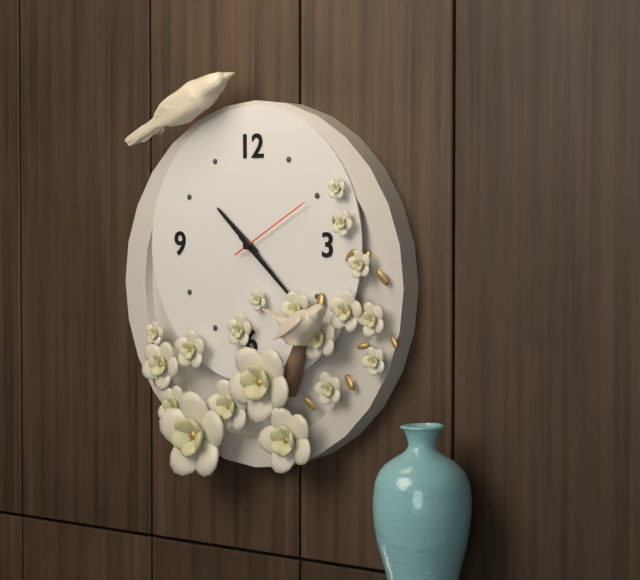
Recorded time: 10:22:10
